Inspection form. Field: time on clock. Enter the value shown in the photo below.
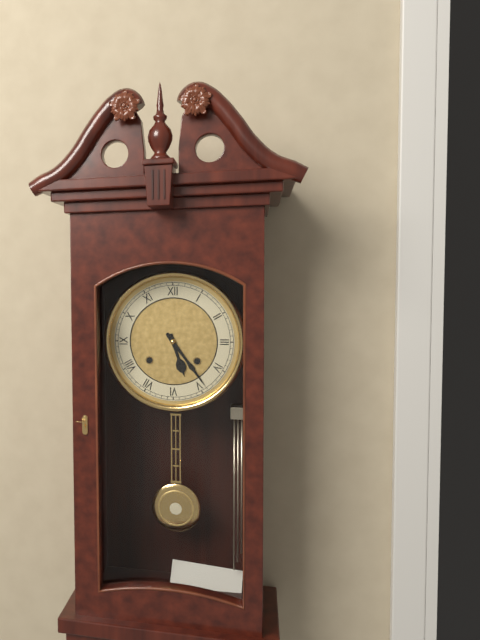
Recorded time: 5:24
